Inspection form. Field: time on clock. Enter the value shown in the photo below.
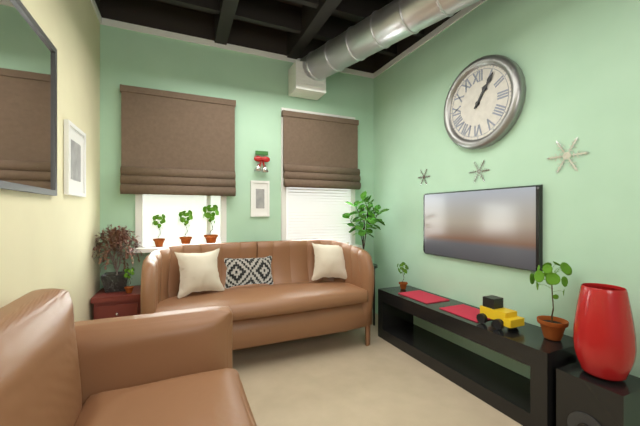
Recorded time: 1:06
